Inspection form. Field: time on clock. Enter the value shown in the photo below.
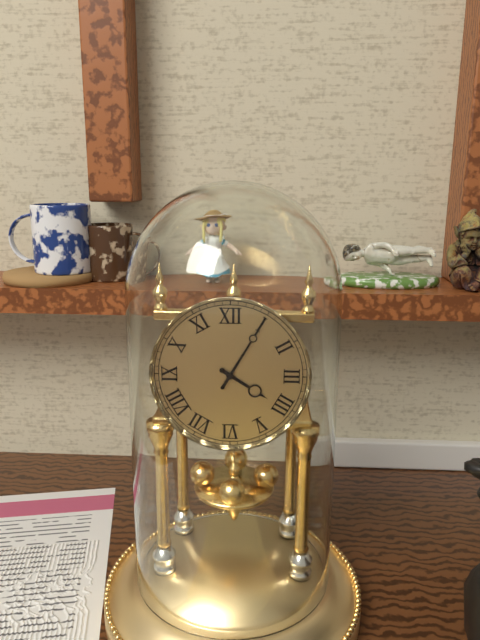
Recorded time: 4:05
